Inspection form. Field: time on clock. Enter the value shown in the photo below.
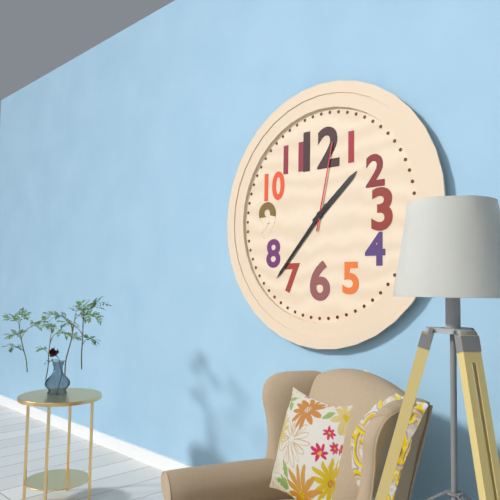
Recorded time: 1:37:02
